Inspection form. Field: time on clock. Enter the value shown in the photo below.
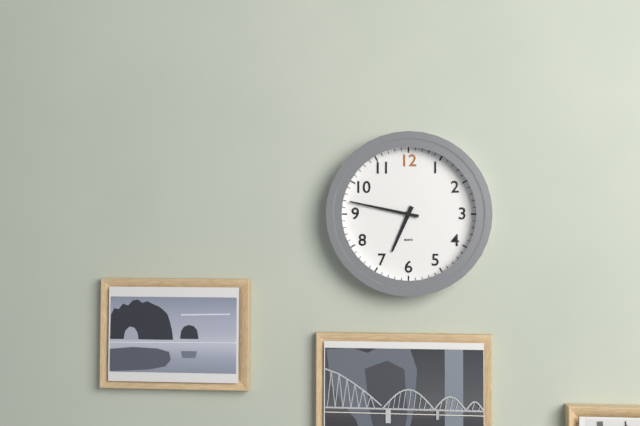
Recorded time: 6:47
